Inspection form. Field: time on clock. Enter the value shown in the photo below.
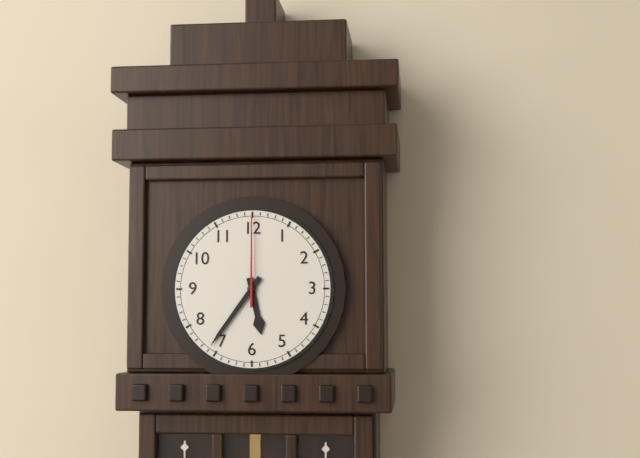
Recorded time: 5:36:00
